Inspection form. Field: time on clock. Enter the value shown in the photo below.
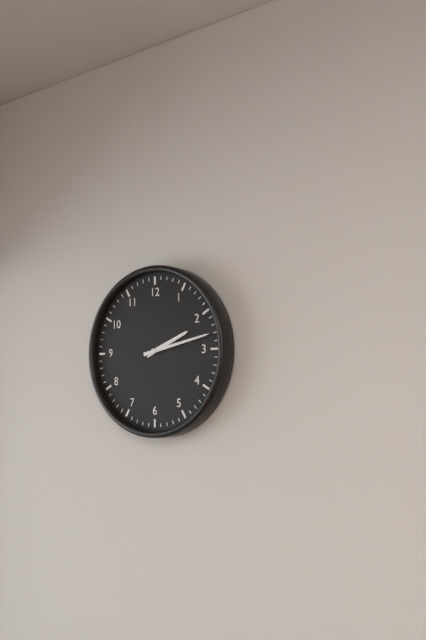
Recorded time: 2:13
